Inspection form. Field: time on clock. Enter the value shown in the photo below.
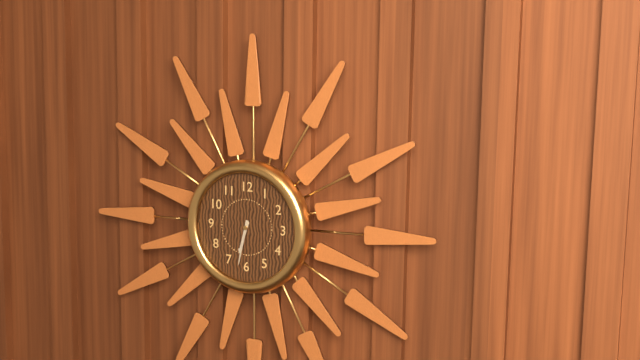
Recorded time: 6:32
